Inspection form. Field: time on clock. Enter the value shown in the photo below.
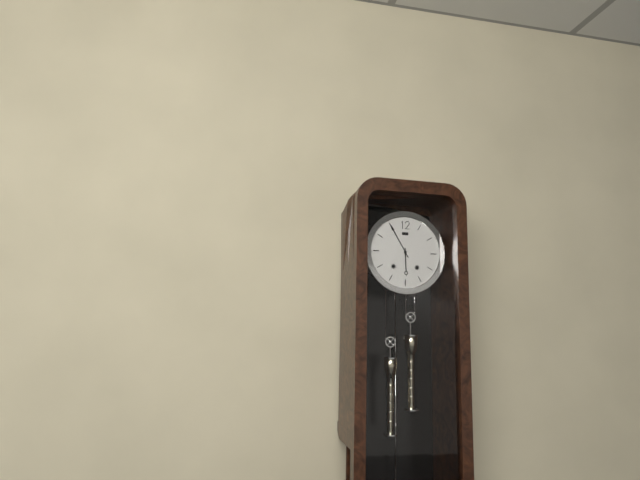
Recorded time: 5:55
